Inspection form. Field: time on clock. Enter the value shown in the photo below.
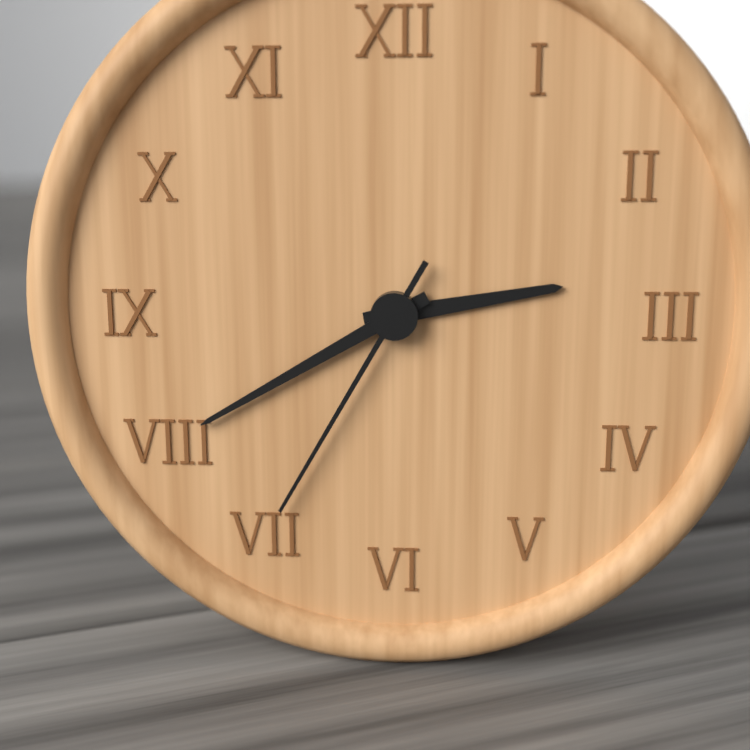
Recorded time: 2:40:35
